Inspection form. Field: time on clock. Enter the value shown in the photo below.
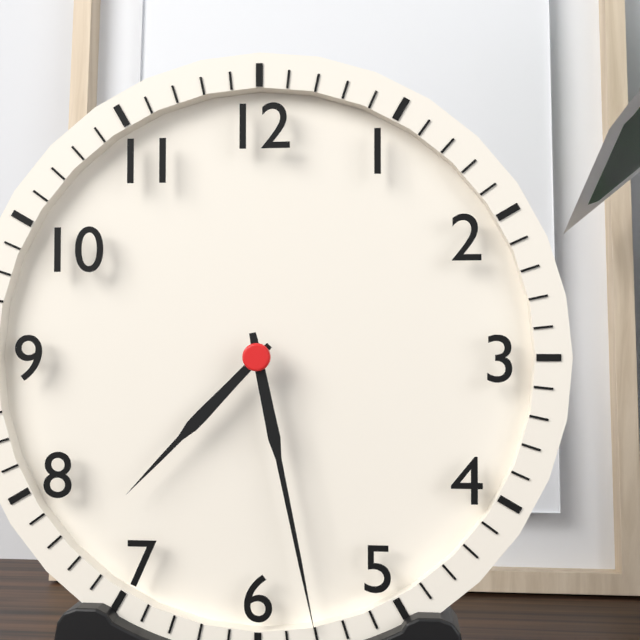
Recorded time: 7:28
